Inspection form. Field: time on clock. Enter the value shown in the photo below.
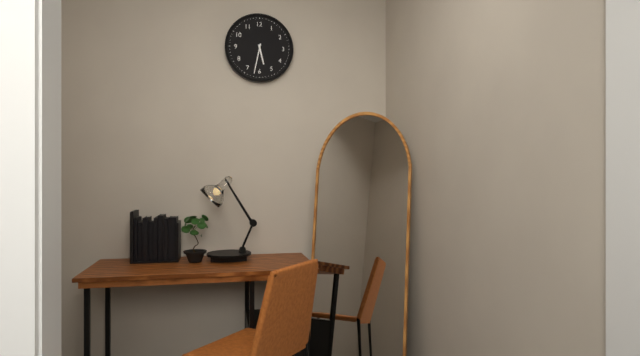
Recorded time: 5:32
